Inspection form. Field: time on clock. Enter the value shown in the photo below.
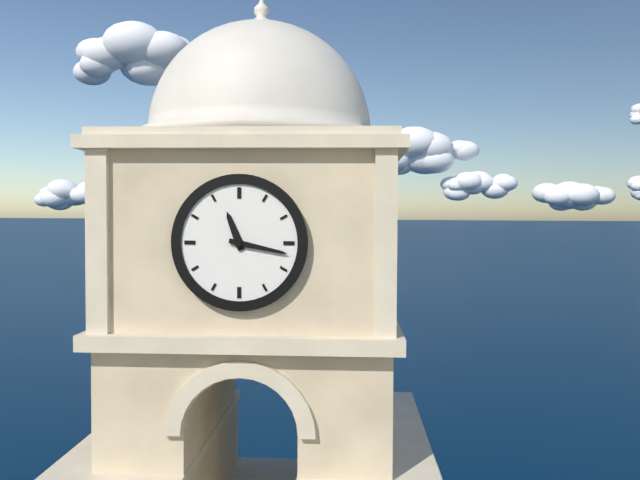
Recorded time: 11:17
